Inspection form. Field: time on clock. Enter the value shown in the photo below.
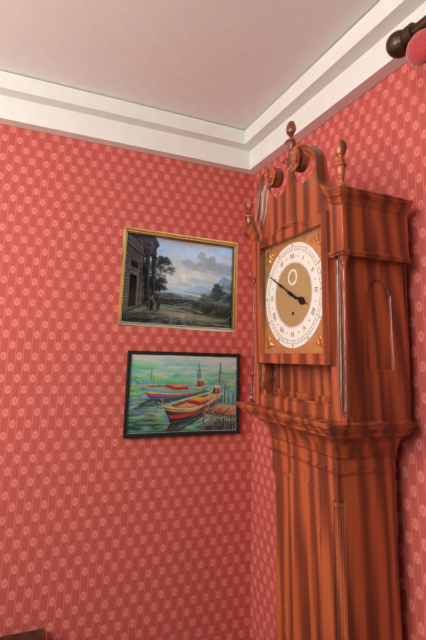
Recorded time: 3:50
